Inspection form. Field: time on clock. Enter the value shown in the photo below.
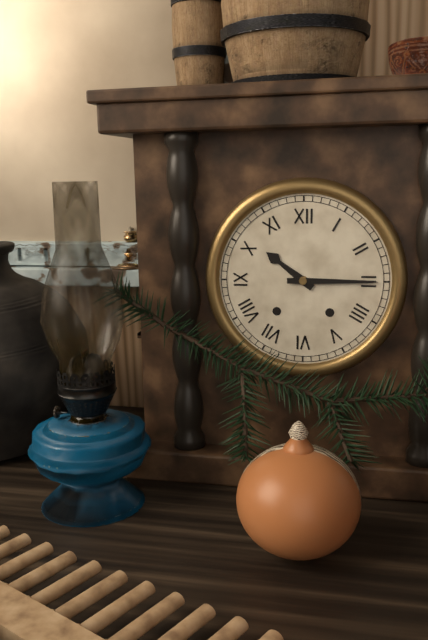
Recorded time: 10:15
